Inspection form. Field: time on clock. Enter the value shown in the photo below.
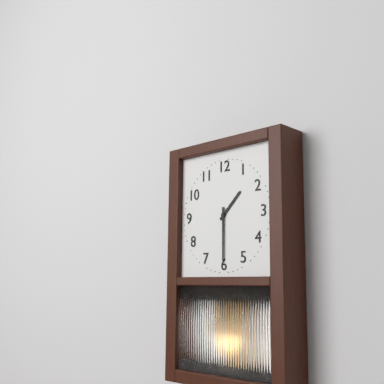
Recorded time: 1:30
